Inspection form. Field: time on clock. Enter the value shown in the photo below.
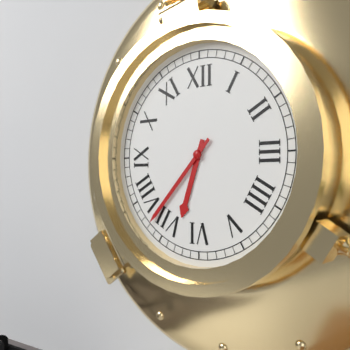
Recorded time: 6:37
